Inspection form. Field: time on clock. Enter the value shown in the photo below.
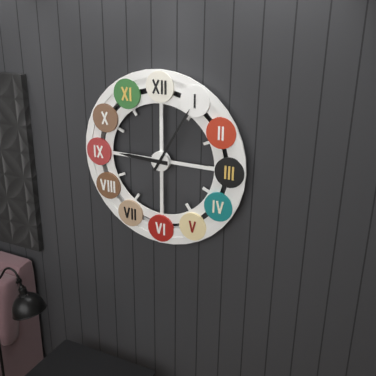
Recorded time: 9:05
